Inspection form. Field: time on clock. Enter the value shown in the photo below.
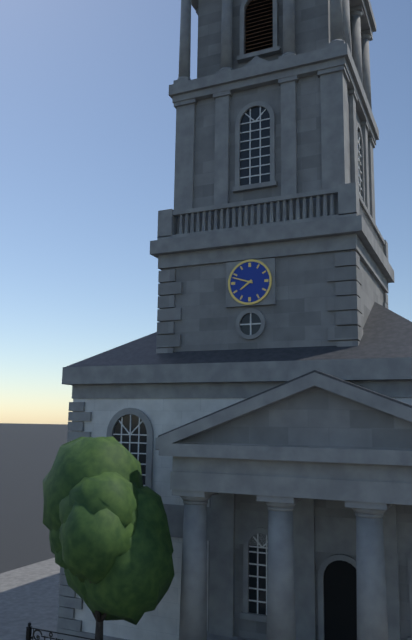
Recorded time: 7:48
